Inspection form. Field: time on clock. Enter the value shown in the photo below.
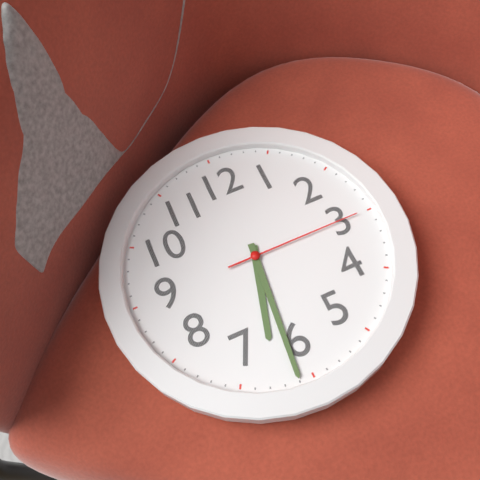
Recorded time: 6:31:15
